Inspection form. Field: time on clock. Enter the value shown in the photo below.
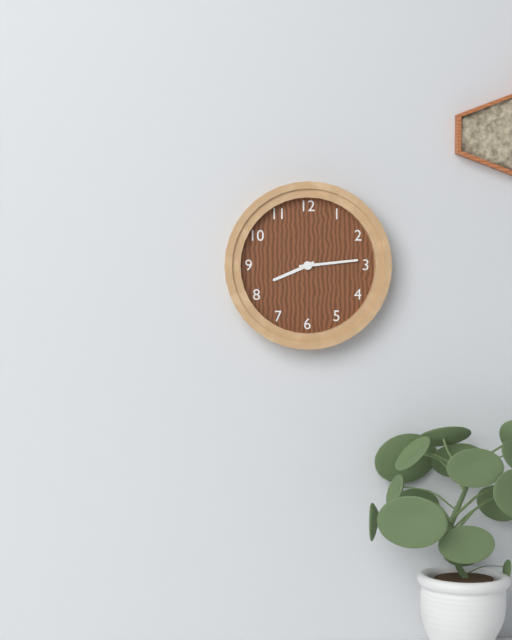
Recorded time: 8:14
